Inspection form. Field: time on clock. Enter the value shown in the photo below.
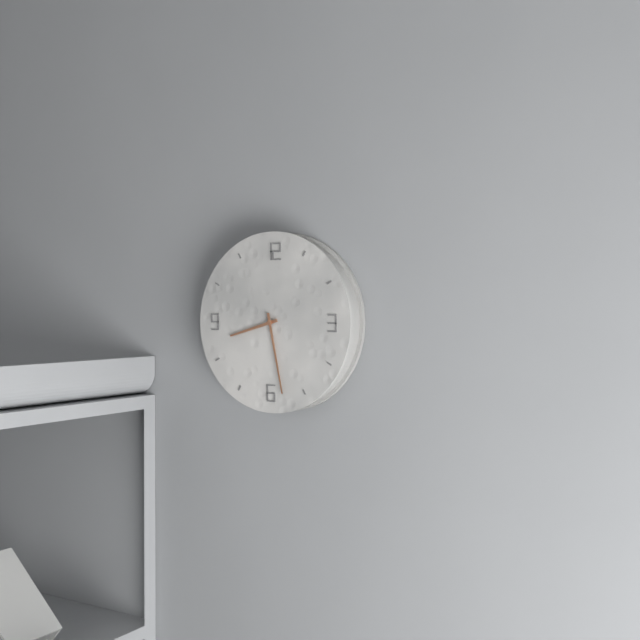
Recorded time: 8:28
